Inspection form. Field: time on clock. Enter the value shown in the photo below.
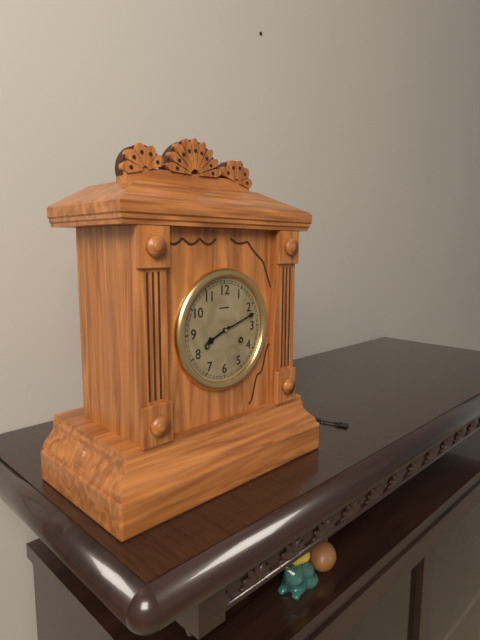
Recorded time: 8:12
